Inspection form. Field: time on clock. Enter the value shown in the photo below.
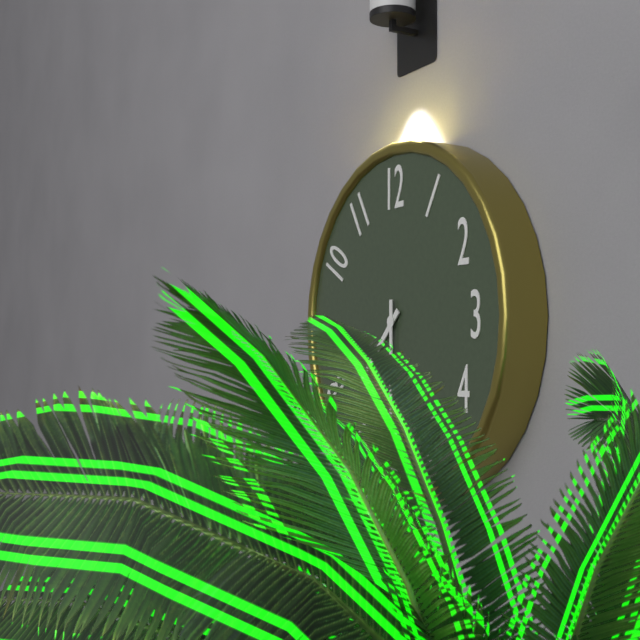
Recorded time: 7:30
